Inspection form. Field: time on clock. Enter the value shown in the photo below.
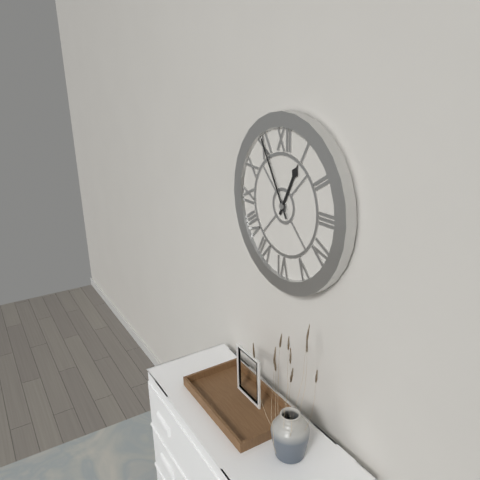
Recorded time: 12:55
